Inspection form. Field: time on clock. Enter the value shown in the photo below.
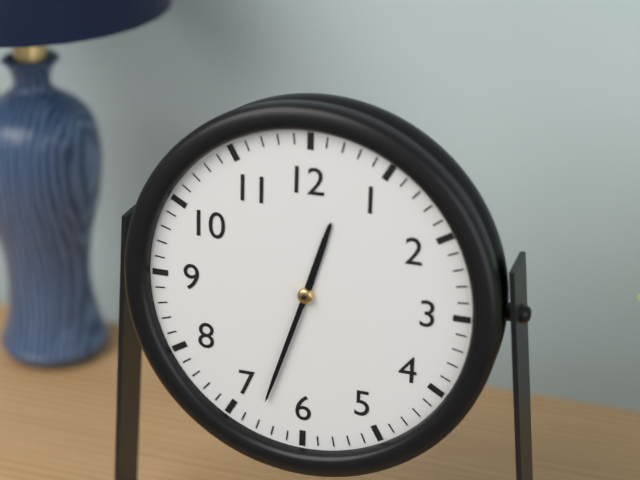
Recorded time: 12:33
